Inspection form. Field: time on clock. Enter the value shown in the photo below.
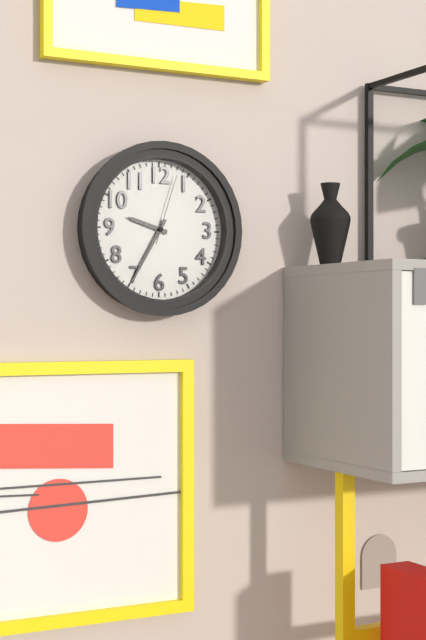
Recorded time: 9:35:03
